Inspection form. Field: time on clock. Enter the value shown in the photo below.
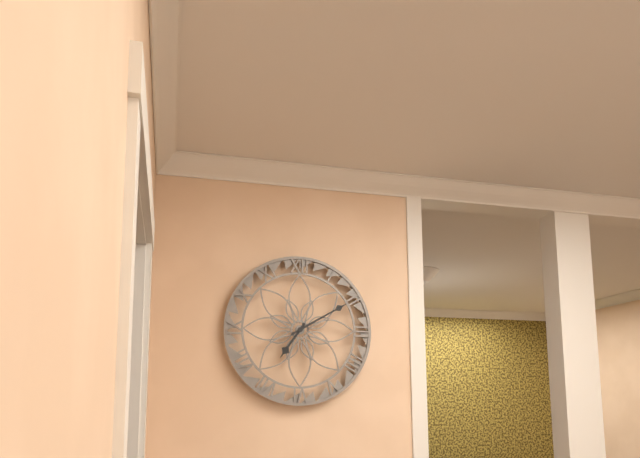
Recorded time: 7:10
